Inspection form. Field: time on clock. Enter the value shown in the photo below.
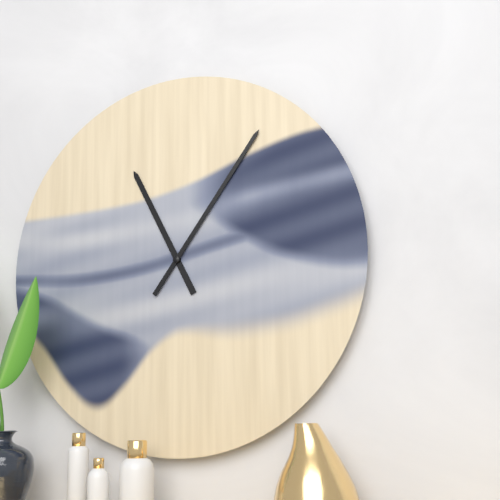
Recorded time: 11:06
